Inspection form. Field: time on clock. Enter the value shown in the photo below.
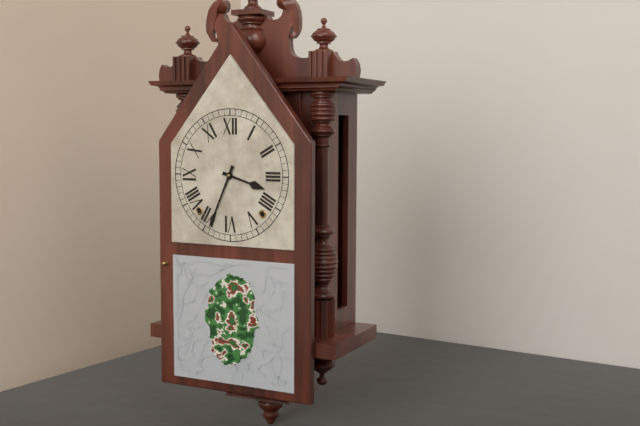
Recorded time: 3:34
